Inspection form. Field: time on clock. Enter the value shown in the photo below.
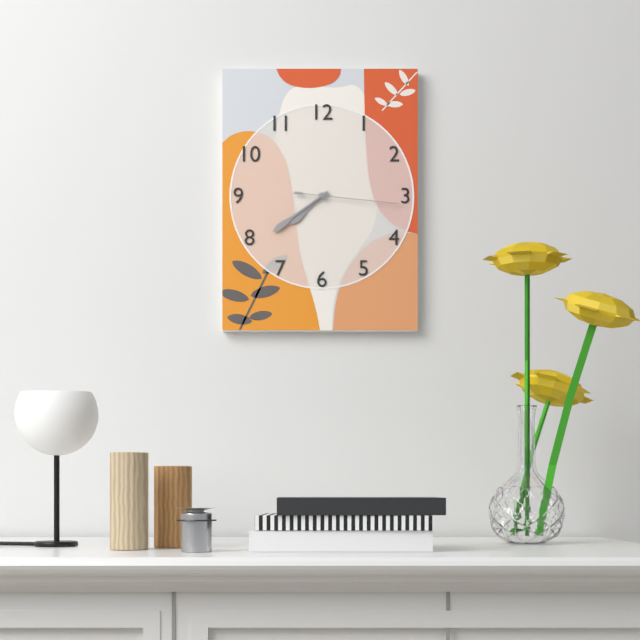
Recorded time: 7:39:16
